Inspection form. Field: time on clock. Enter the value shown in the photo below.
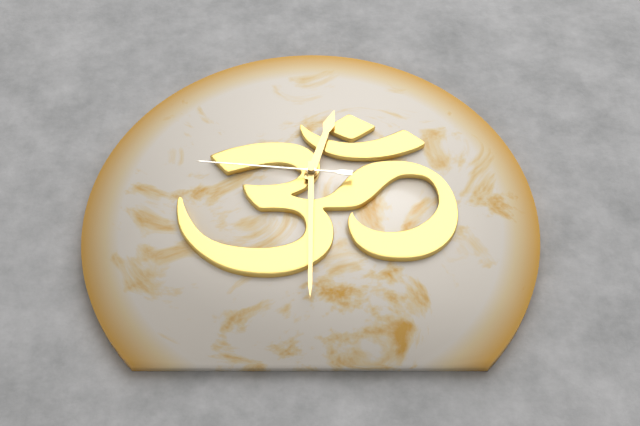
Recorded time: 12:30:46
